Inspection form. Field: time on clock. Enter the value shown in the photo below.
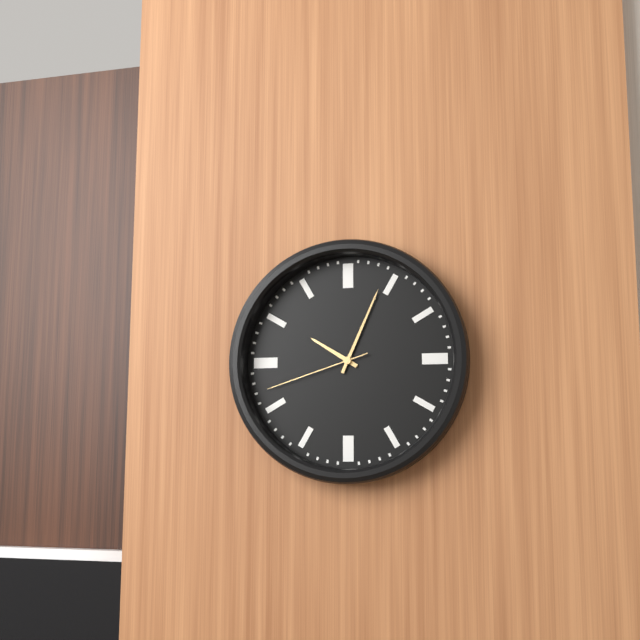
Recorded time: 10:04:42
